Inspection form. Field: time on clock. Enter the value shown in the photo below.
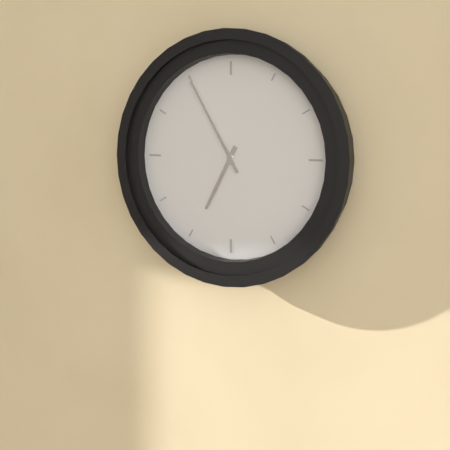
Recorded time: 6:55
